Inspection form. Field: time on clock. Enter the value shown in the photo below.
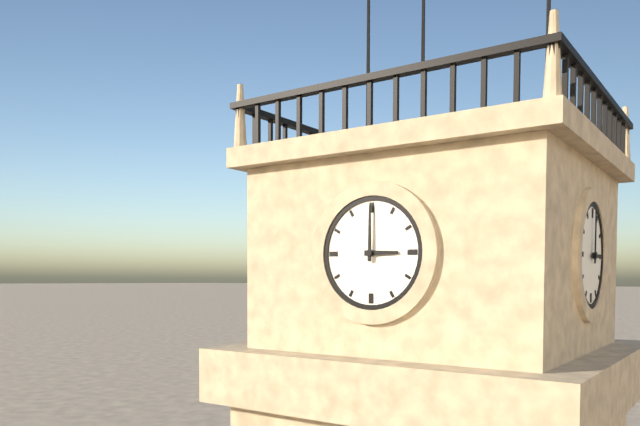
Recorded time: 3:00
